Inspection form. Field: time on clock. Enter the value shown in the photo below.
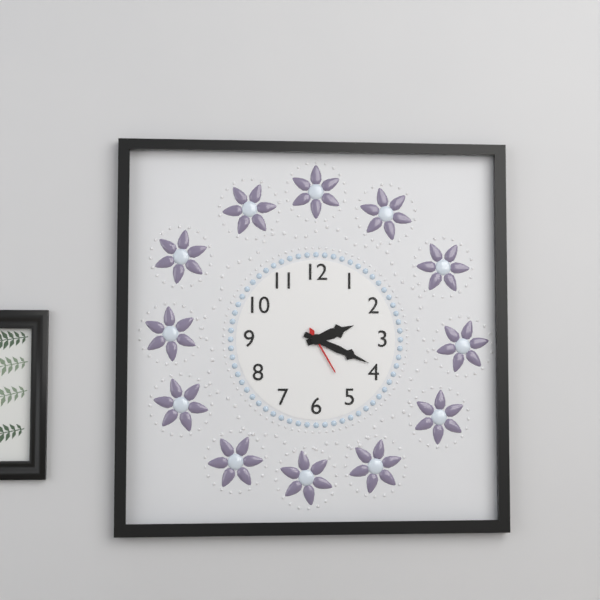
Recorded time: 2:19
